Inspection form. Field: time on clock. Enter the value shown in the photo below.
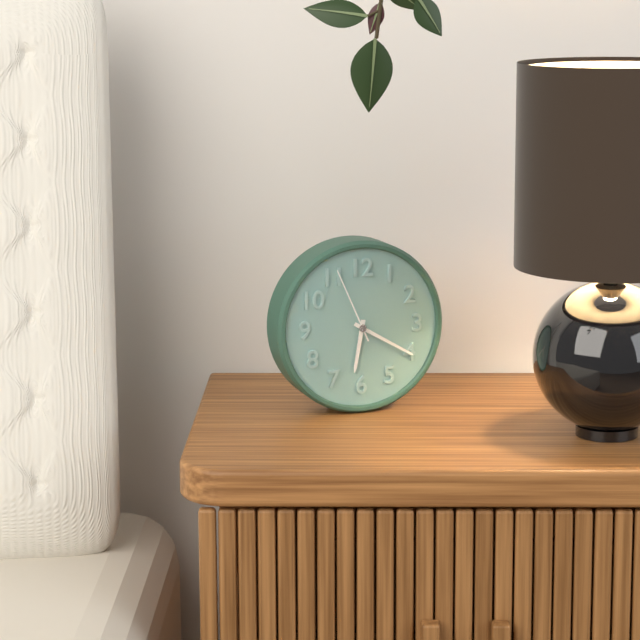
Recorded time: 6:20:56
